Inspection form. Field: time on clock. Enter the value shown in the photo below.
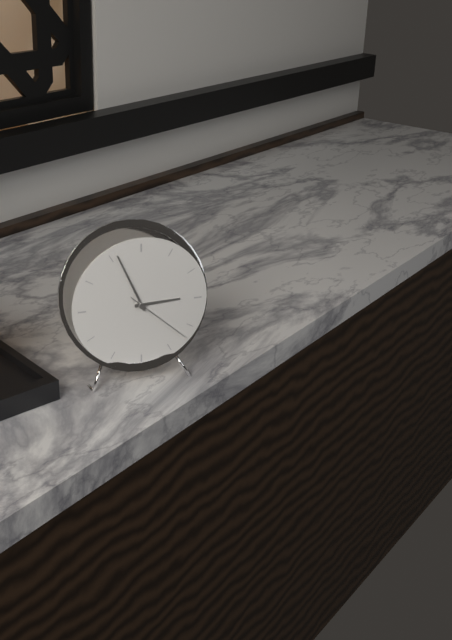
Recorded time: 2:56:22
